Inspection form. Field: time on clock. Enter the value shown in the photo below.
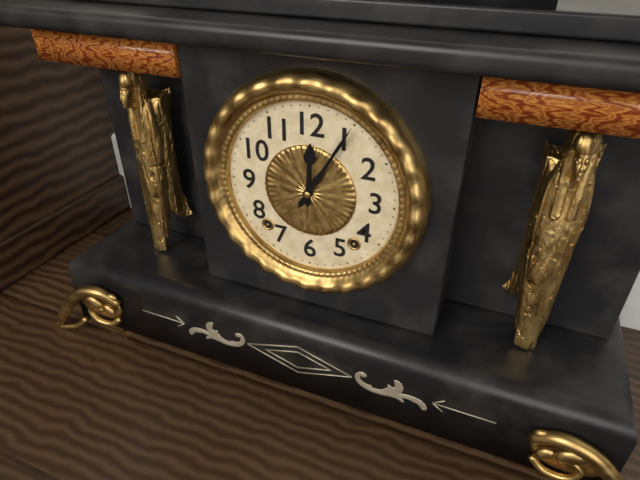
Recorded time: 12:05
